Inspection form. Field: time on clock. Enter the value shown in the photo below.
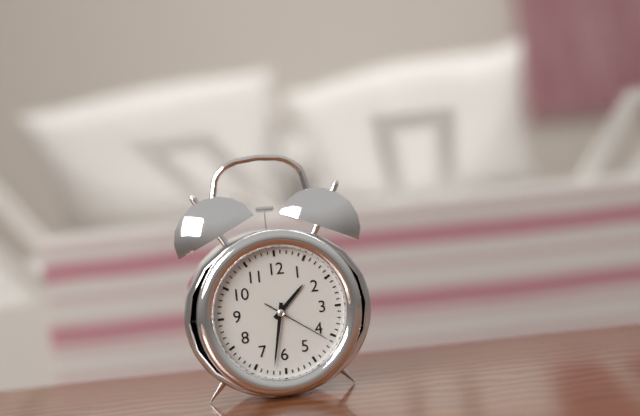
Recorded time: 1:32:21
